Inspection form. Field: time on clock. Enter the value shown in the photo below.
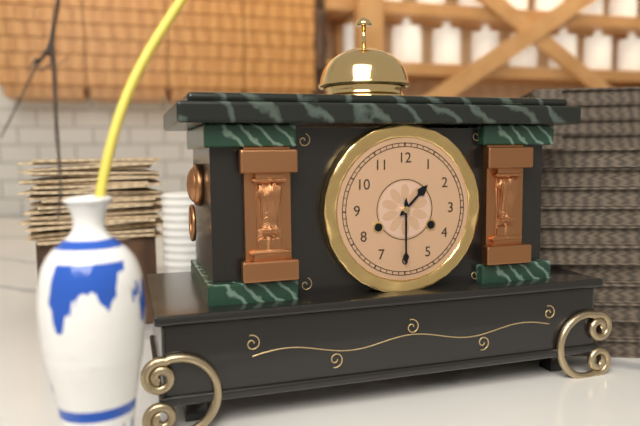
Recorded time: 1:30
